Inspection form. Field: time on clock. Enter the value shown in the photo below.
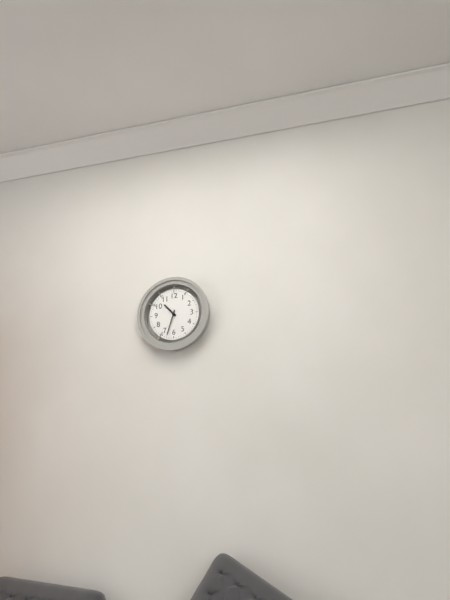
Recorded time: 10:33
